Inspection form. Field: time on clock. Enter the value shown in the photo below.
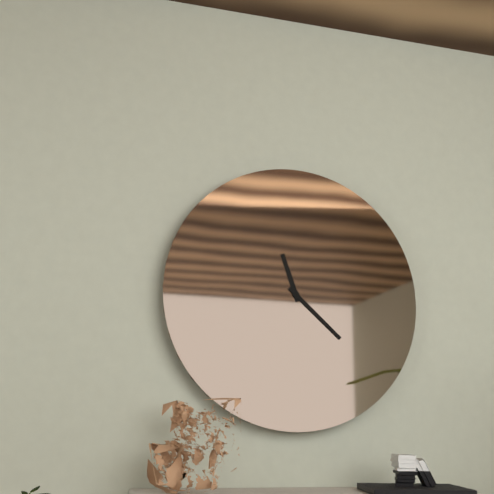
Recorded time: 11:22
